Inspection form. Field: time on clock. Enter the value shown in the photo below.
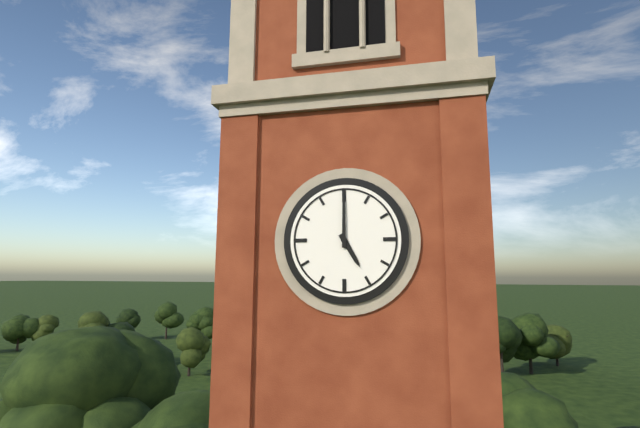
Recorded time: 5:00
